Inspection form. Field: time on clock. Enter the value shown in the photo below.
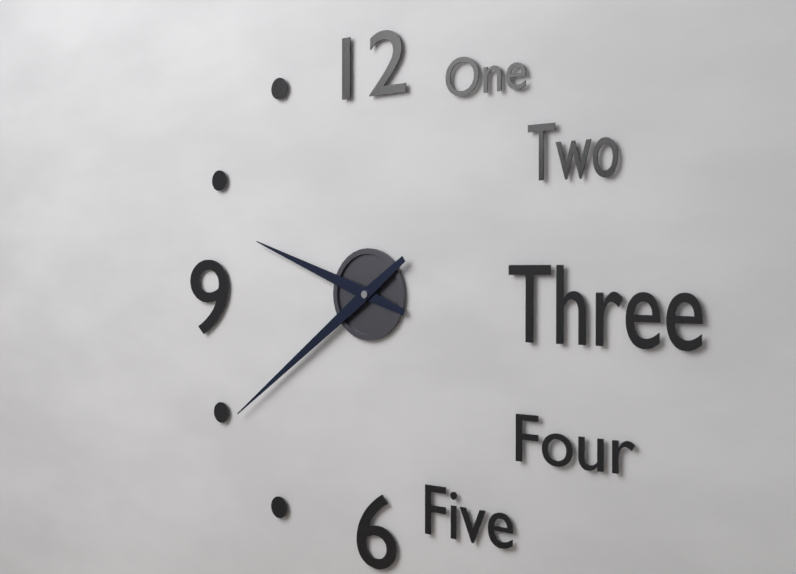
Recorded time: 9:39
